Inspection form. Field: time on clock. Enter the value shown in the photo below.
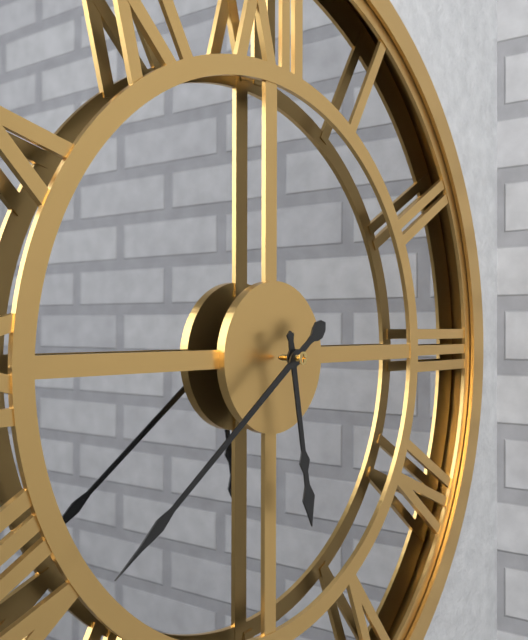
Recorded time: 5:39
